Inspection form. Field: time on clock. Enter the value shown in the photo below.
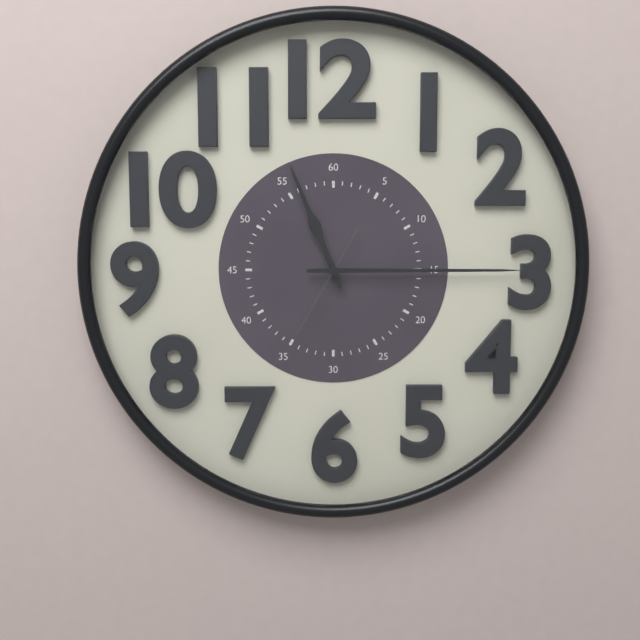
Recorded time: 11:15:35
